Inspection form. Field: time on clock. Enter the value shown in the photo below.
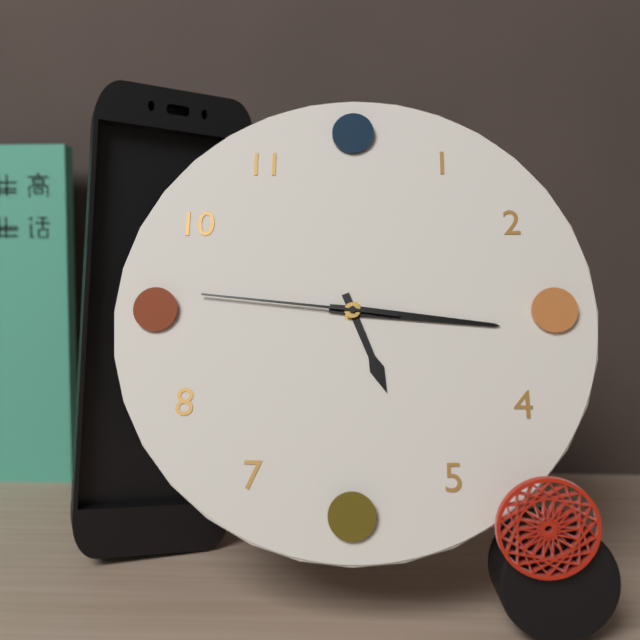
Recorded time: 5:16:46
